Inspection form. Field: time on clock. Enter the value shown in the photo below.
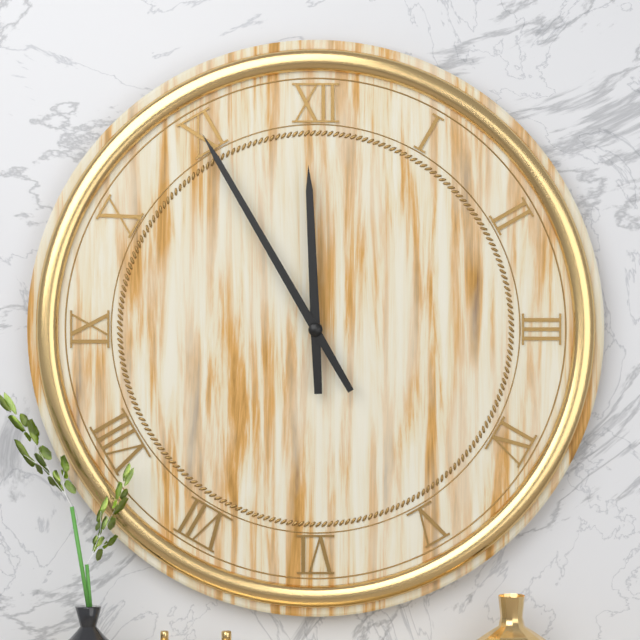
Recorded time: 11:55
